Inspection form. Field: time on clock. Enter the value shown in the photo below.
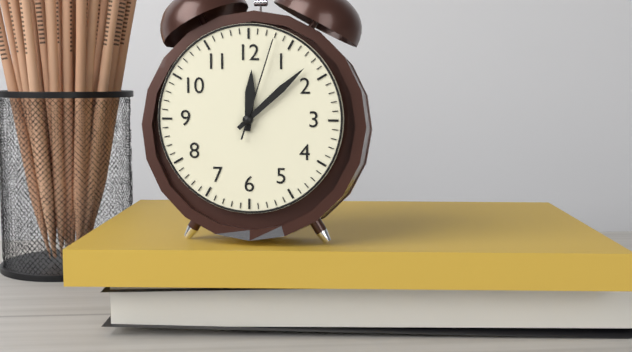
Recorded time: 12:08:03
